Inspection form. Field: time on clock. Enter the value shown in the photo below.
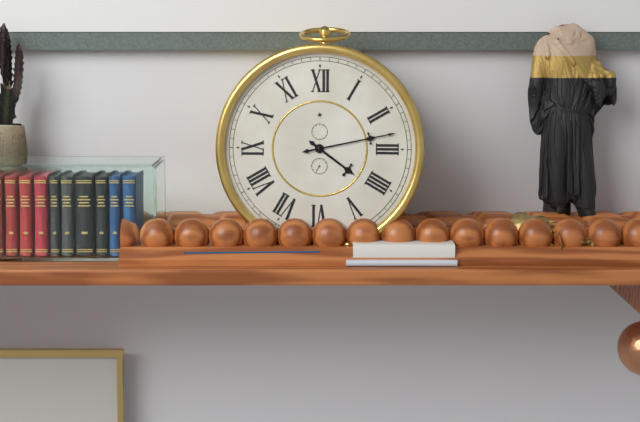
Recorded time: 4:13
